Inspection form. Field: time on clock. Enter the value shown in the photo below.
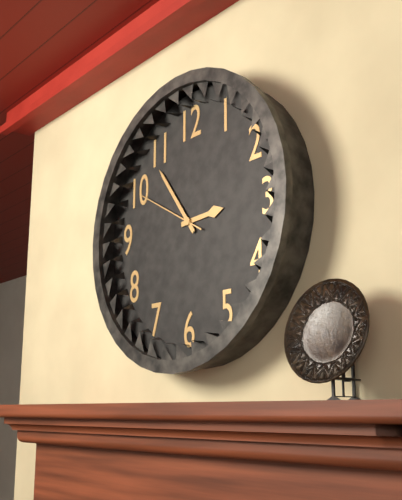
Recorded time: 2:54:50
